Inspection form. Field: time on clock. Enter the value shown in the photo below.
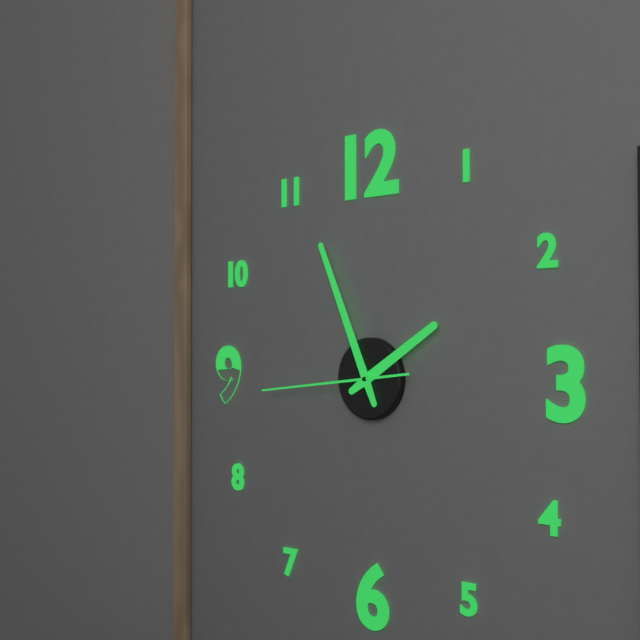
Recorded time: 1:56:44
